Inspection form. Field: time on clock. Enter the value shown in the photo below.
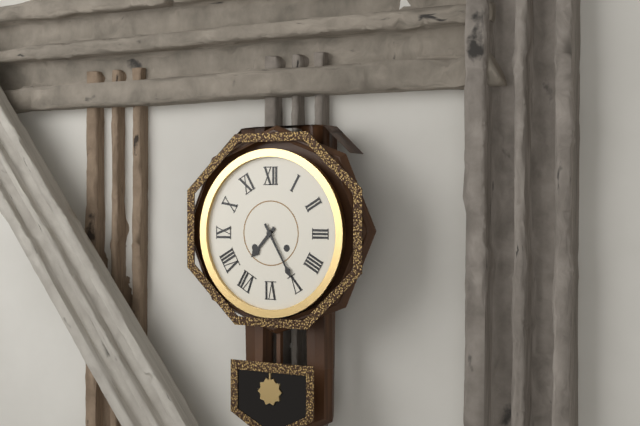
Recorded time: 7:25
